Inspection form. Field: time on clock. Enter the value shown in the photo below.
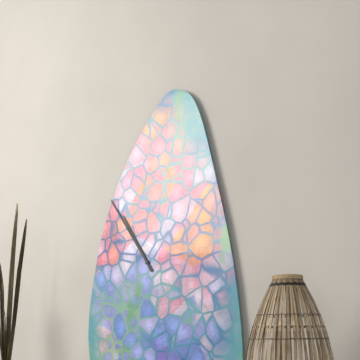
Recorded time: 10:54
